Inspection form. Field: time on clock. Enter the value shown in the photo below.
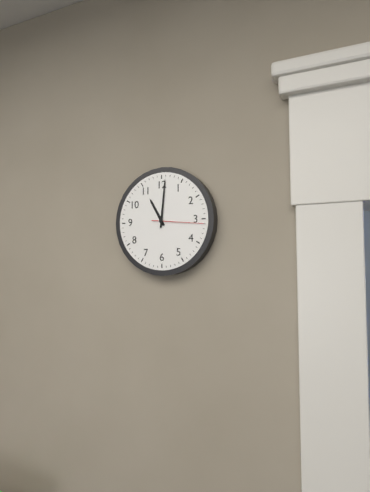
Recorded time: 11:01:16
